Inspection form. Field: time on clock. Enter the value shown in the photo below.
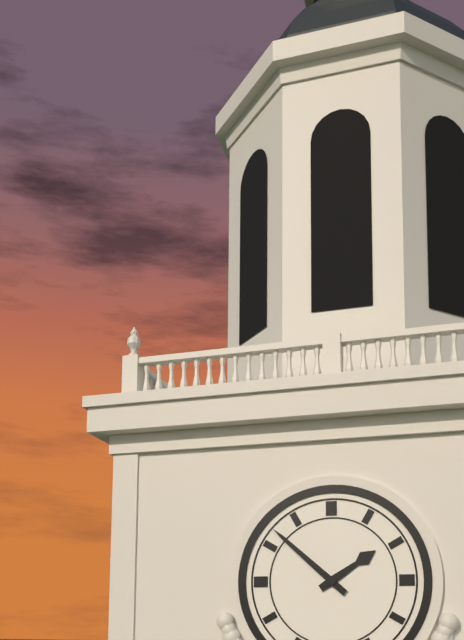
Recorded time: 1:52
